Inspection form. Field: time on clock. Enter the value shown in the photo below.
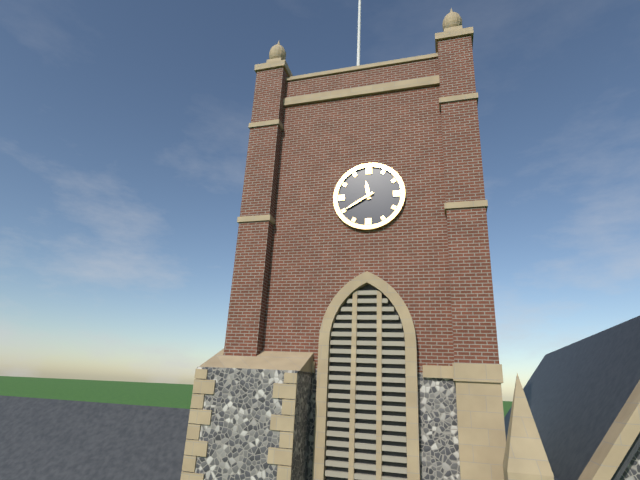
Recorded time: 11:40
